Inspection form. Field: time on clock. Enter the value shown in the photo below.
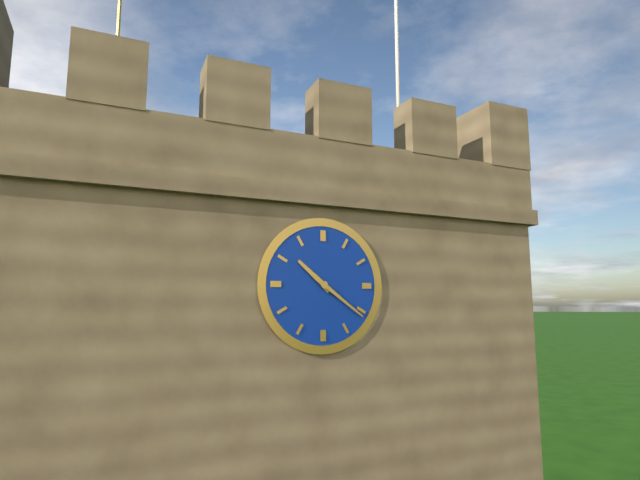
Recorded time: 10:21
